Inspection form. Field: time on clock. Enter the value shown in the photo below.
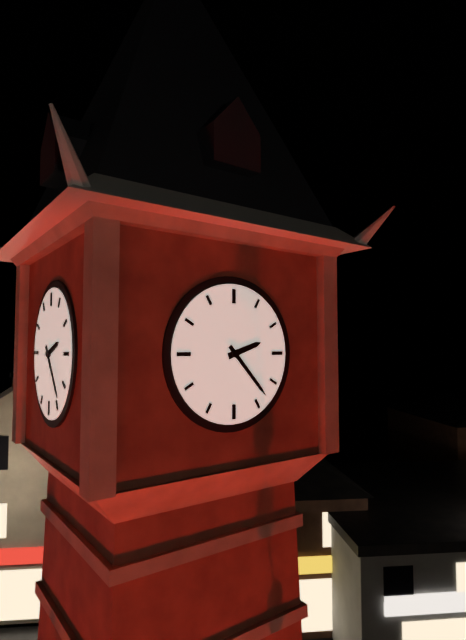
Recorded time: 2:23
